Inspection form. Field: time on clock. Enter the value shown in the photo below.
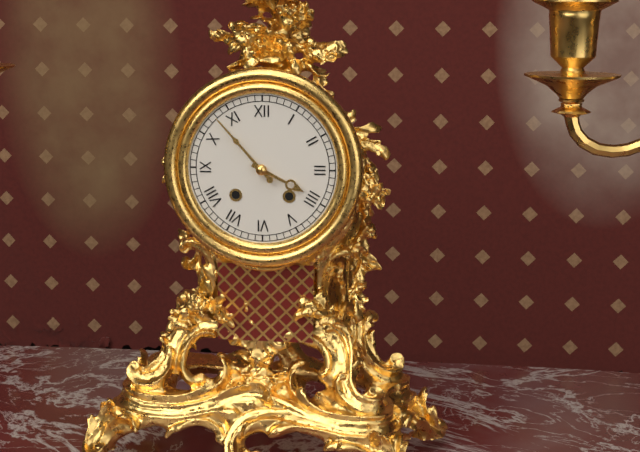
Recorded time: 3:53
